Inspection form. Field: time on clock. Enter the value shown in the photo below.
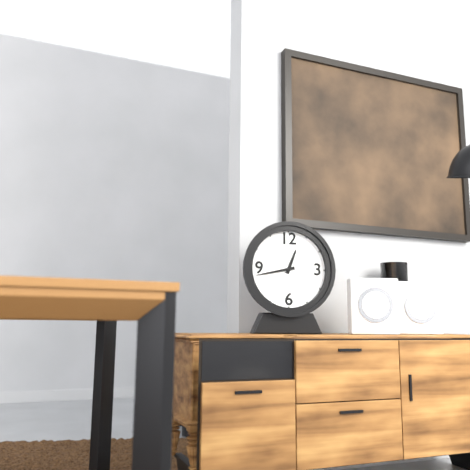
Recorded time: 12:43
